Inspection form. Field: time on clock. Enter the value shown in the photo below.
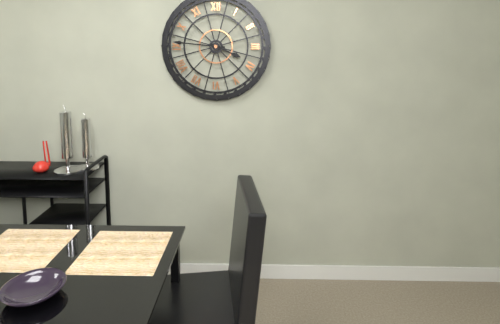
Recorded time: 3:46
